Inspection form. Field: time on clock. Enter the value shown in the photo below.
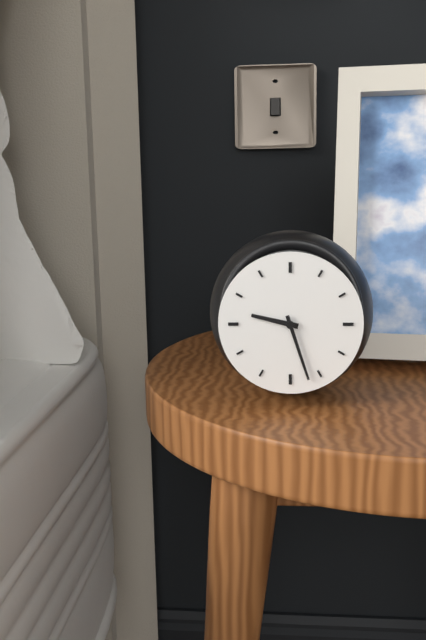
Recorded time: 9:27
